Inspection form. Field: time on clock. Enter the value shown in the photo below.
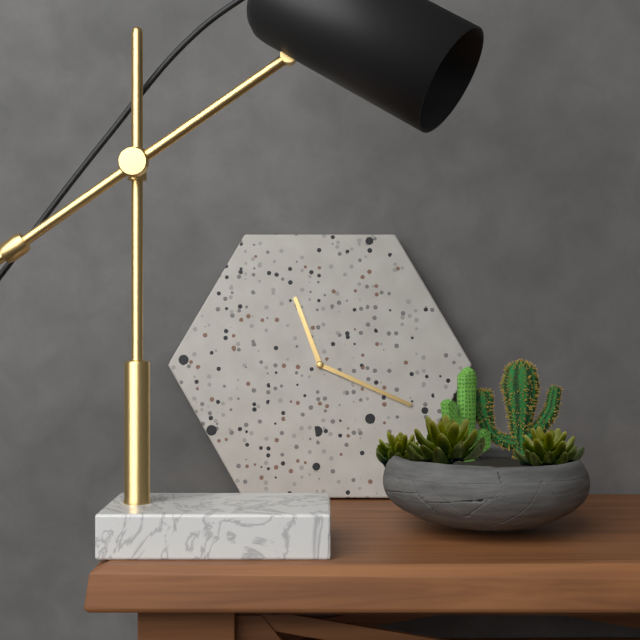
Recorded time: 11:19
